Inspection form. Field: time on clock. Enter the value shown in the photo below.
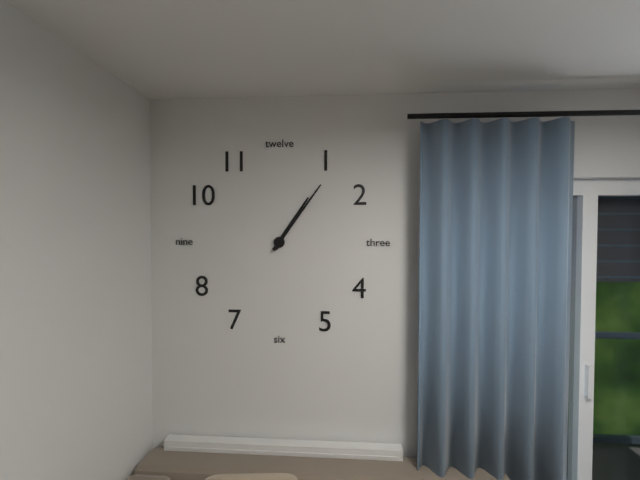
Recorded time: 1:06
